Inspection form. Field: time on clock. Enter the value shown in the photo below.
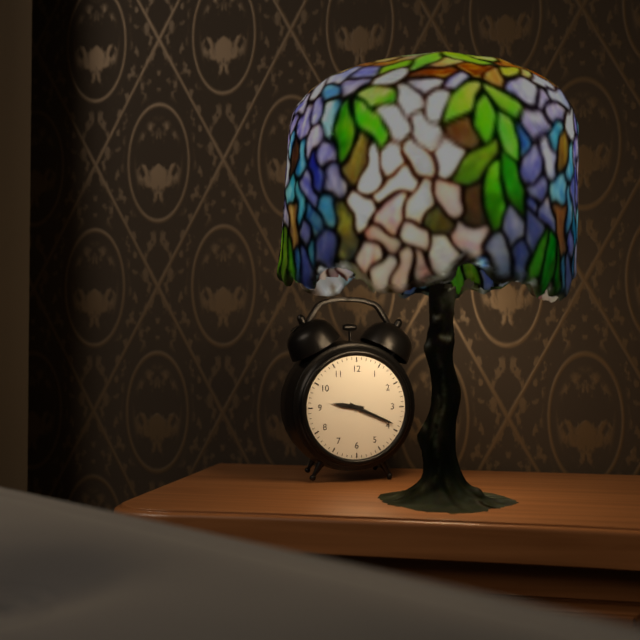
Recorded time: 9:19
